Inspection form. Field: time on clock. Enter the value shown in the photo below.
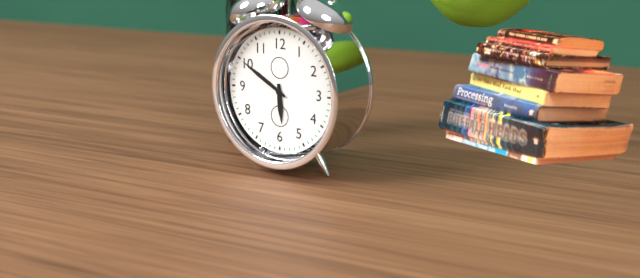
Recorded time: 5:50
